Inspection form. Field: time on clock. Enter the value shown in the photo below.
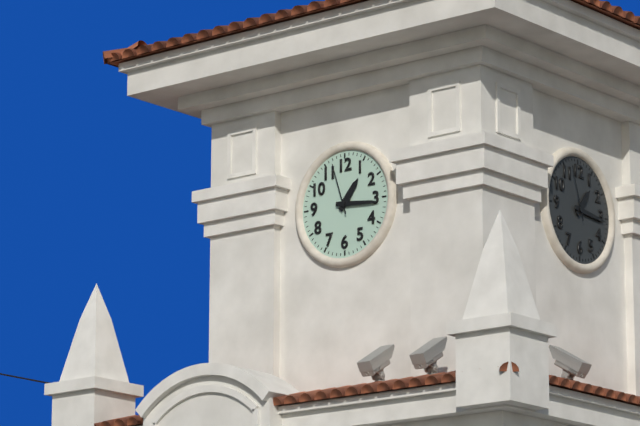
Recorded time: 1:16:57
